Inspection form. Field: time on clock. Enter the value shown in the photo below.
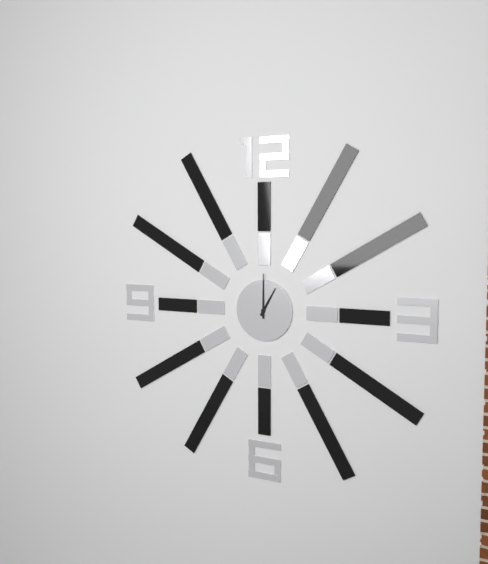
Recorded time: 1:00
